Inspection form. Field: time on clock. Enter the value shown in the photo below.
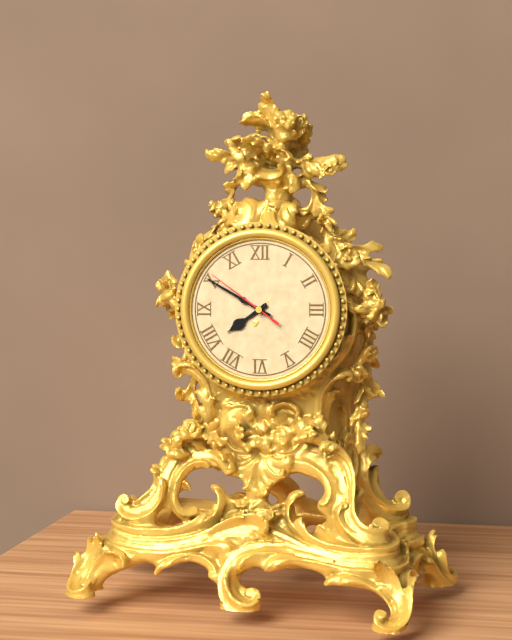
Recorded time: 7:50:51
